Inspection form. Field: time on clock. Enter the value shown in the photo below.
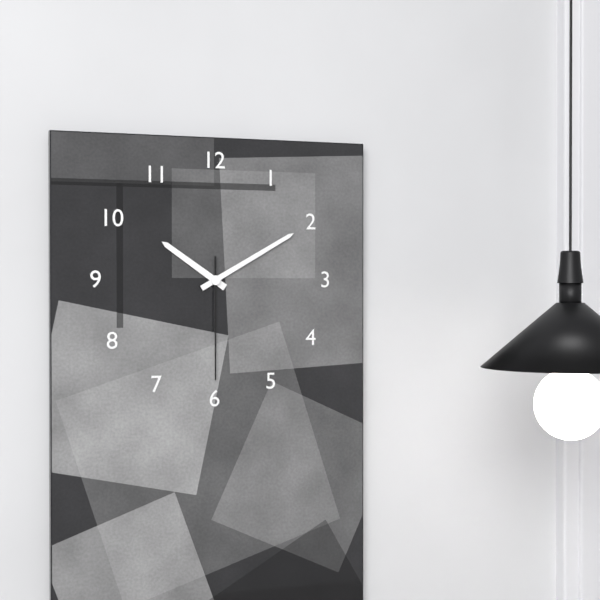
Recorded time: 10:10:30
